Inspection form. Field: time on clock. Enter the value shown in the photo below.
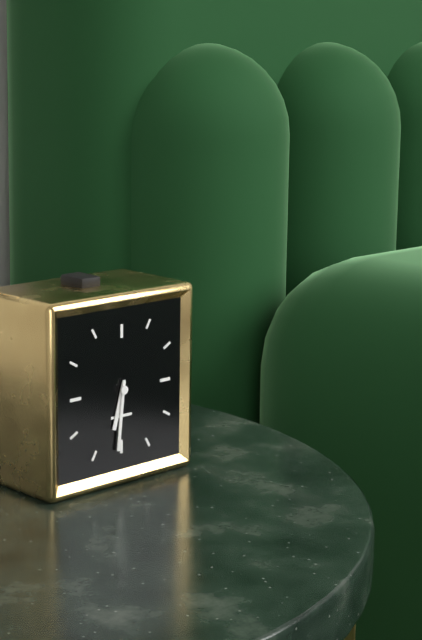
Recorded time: 6:31
